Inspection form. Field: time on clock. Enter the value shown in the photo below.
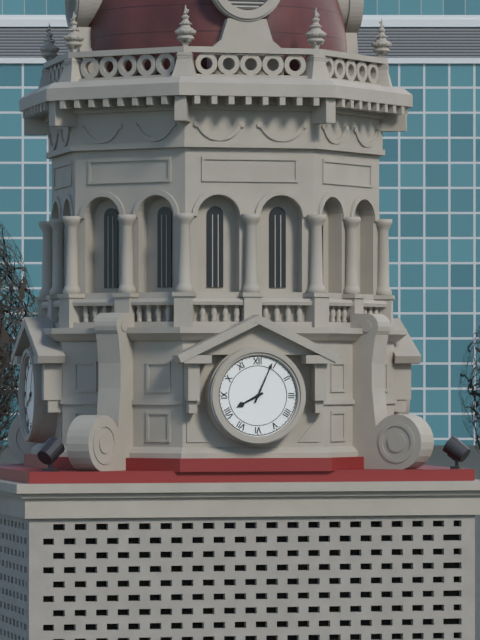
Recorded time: 8:04
